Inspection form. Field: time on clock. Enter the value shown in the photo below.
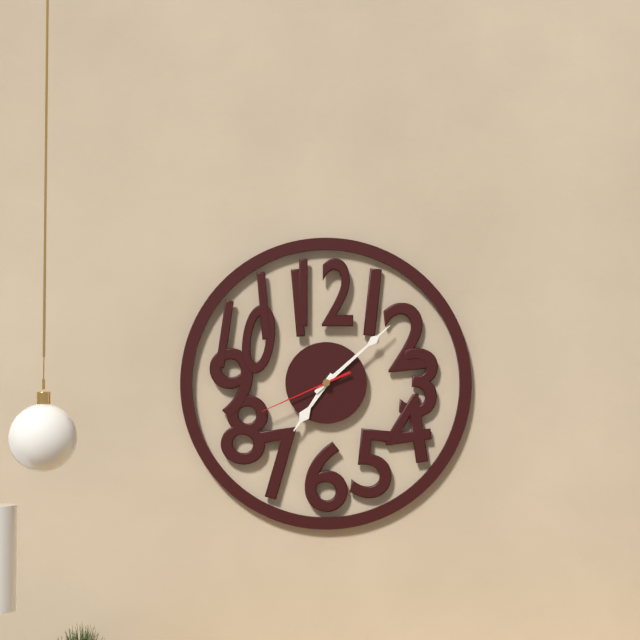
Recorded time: 7:08:41
